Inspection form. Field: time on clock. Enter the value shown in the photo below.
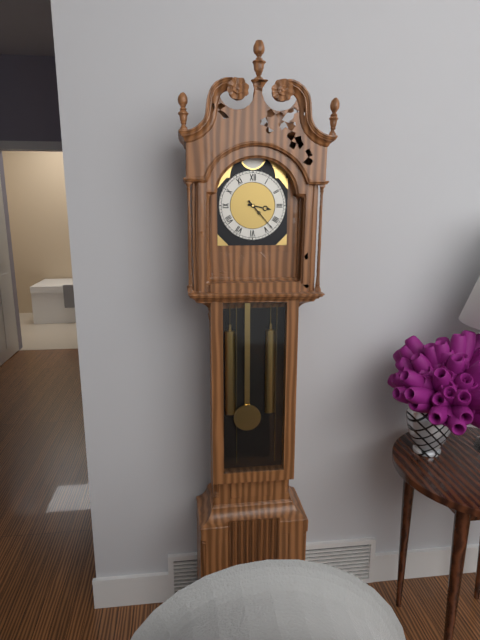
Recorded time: 3:23
